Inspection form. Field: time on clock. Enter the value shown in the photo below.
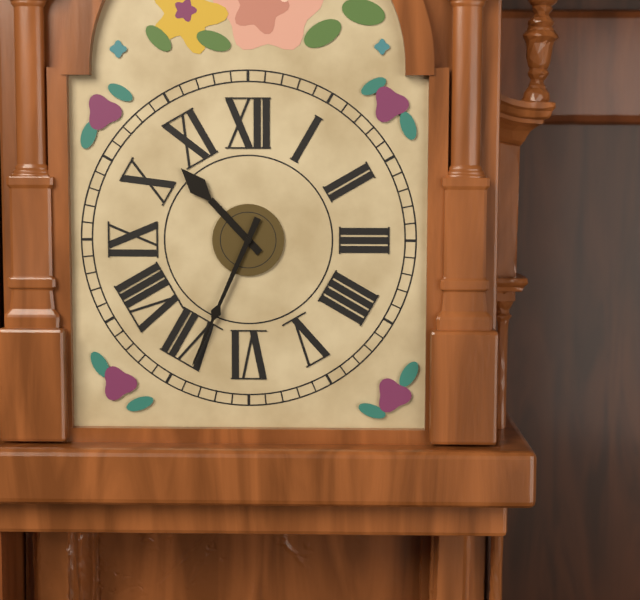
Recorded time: 10:34
